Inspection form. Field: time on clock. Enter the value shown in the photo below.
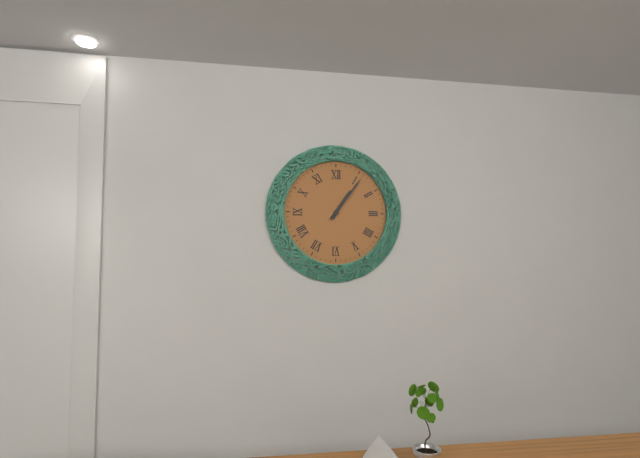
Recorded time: 1:06
